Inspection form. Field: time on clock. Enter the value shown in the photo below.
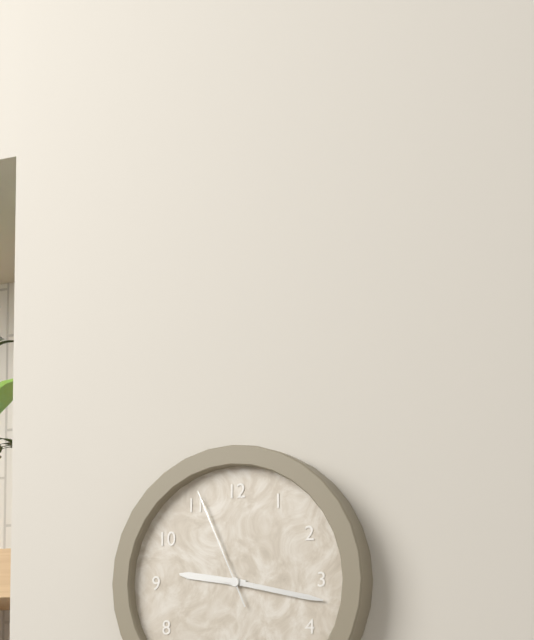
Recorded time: 9:17:56
